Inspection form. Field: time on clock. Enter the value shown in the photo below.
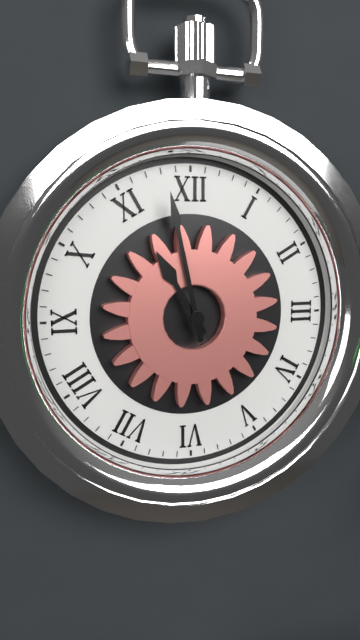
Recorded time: 10:58
